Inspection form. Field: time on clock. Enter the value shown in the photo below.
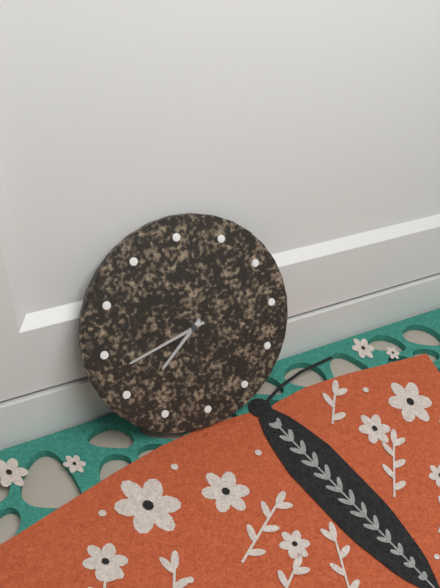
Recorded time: 7:43
